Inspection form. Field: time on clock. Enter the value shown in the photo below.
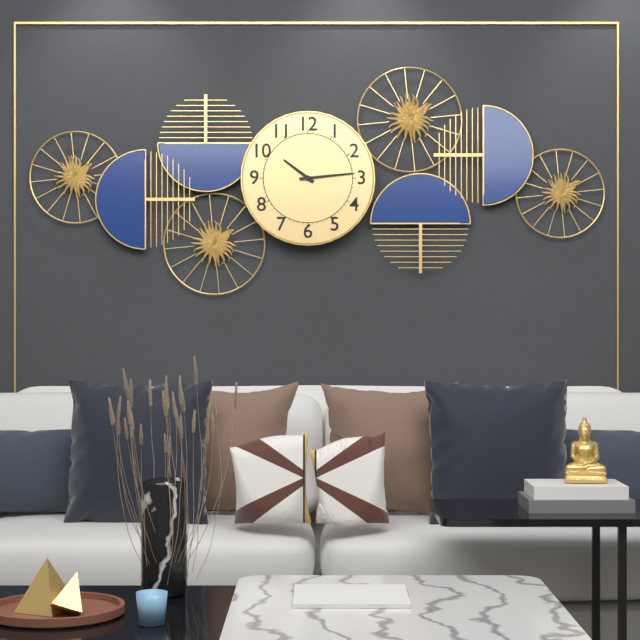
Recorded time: 10:14
